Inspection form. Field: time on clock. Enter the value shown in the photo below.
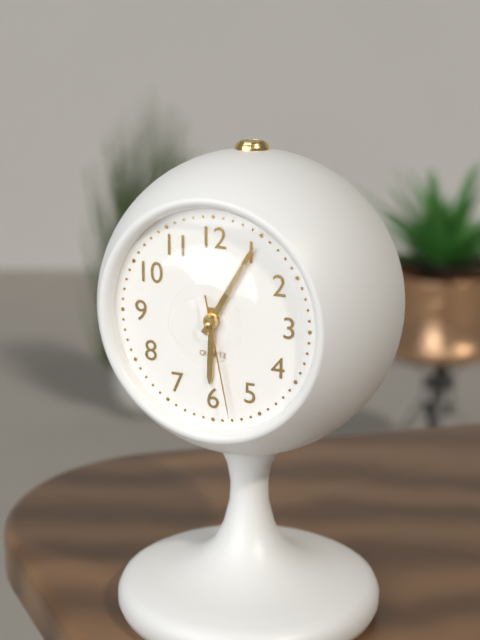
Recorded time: 6:05:28
